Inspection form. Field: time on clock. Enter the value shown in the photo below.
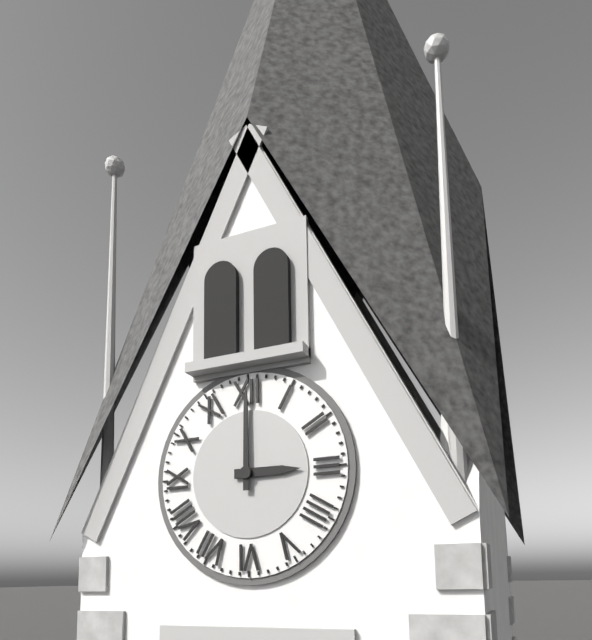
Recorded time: 3:00
